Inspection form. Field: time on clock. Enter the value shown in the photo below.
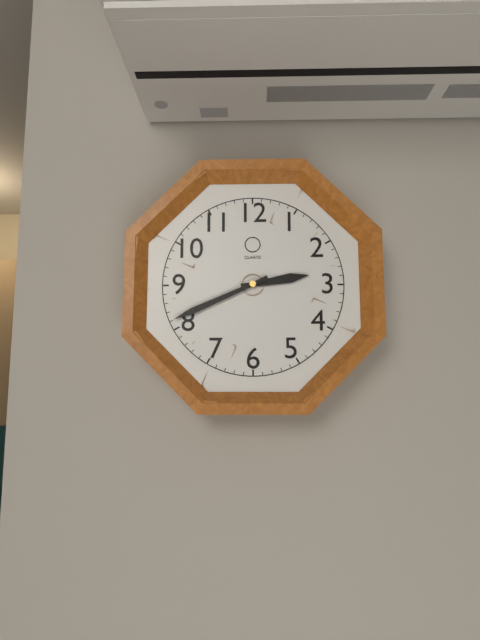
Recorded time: 2:41
